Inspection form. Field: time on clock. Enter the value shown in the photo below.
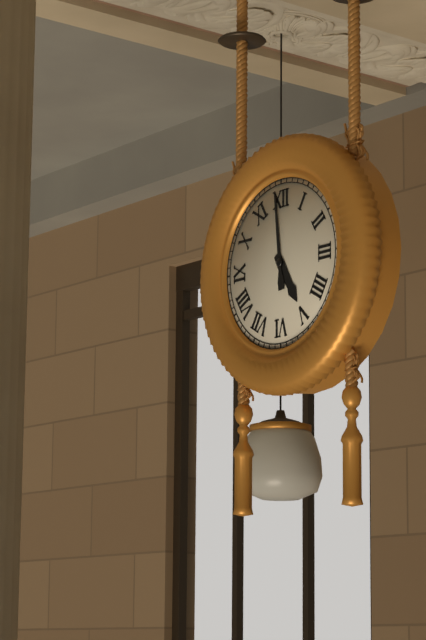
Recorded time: 4:59
